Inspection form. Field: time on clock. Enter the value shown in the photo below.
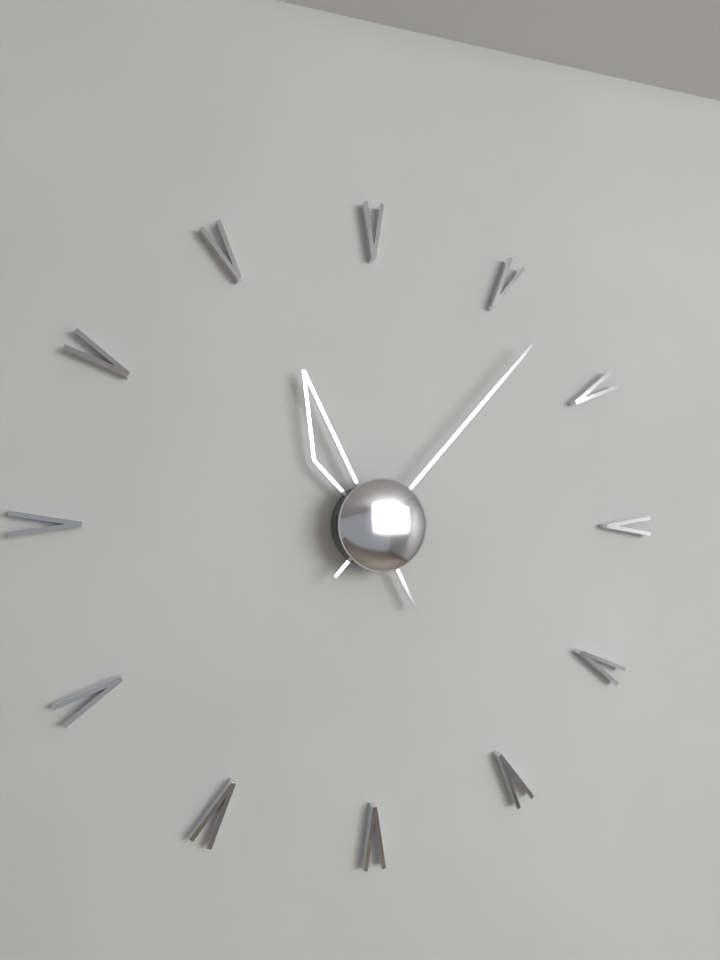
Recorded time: 11:07
